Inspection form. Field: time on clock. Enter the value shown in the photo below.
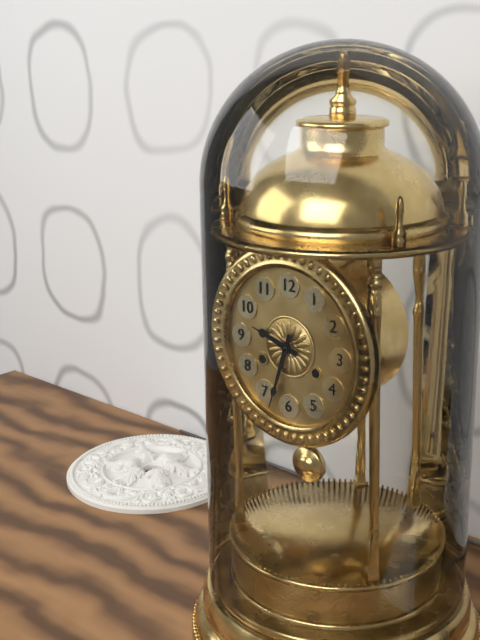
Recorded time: 9:33
